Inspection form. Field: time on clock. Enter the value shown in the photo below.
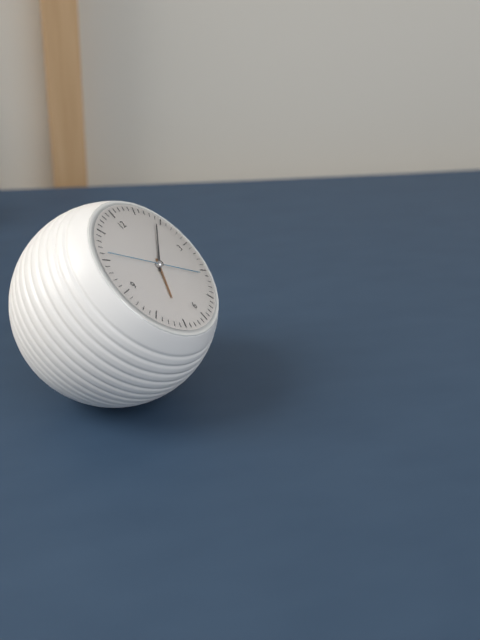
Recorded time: 7:09:51
